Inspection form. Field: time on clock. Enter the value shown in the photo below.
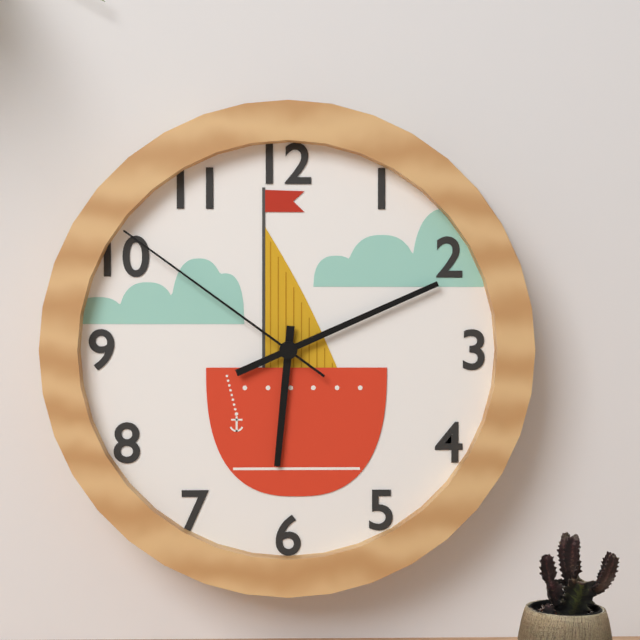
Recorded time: 6:11:51
